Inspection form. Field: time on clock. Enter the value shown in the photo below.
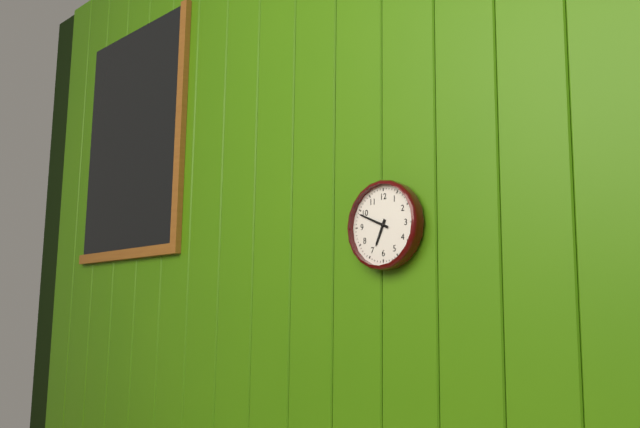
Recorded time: 6:49
